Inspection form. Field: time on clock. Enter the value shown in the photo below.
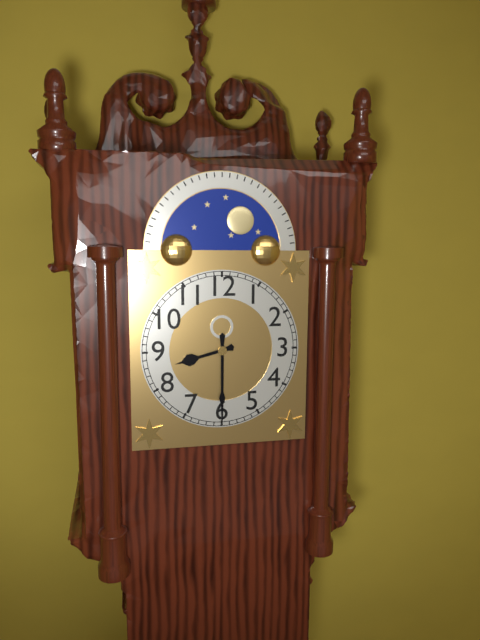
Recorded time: 8:30
